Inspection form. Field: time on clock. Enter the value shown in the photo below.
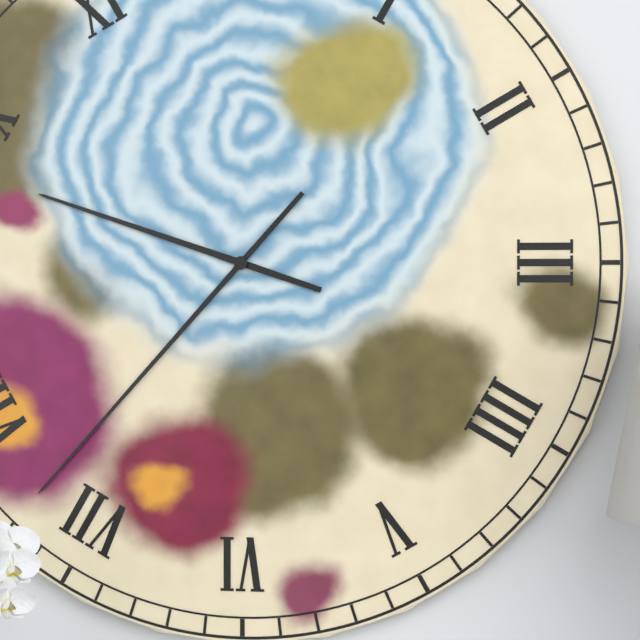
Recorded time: 9:37
